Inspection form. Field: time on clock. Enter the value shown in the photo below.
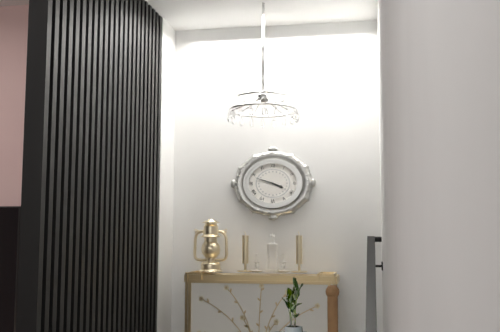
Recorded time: 3:48
